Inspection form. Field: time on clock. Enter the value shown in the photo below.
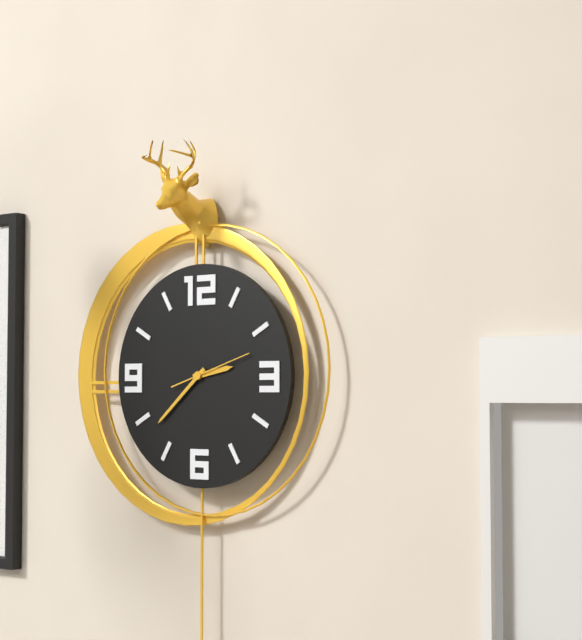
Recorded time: 2:38
